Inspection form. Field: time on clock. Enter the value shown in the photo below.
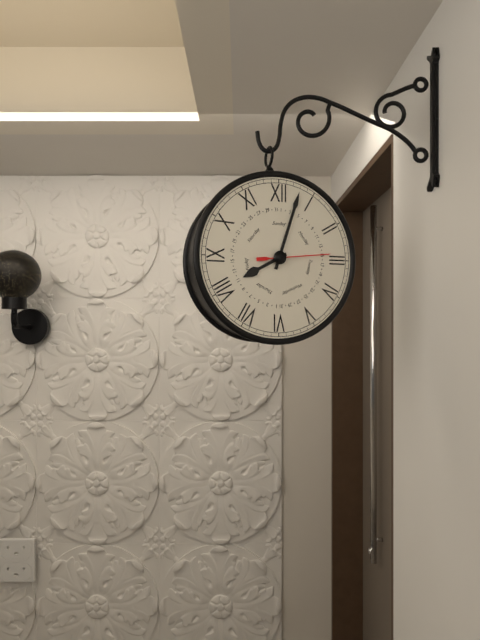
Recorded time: 8:03:14
